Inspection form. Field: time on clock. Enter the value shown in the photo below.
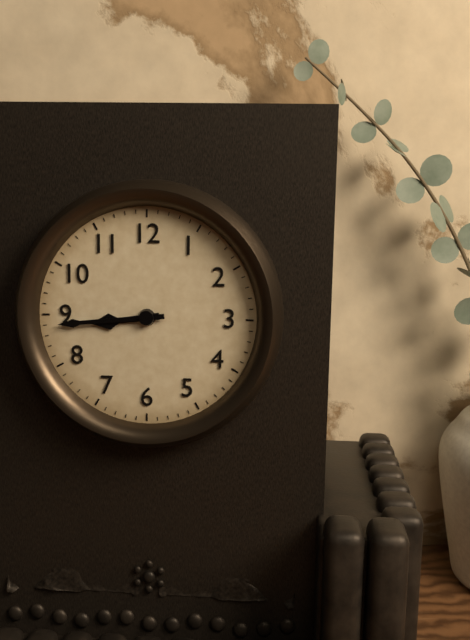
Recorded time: 8:44
